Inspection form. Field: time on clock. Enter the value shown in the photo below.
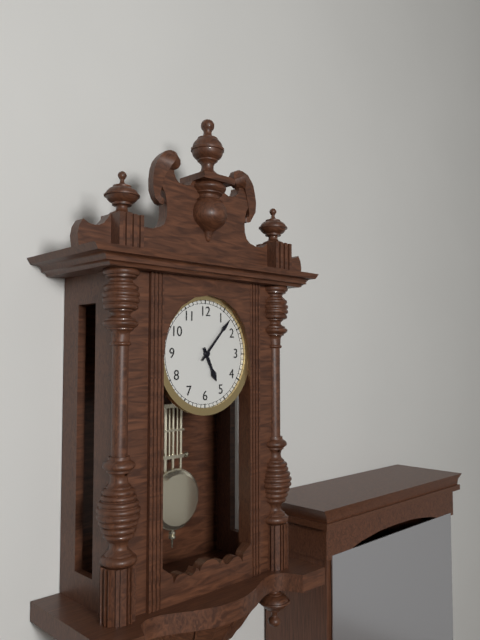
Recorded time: 5:07
